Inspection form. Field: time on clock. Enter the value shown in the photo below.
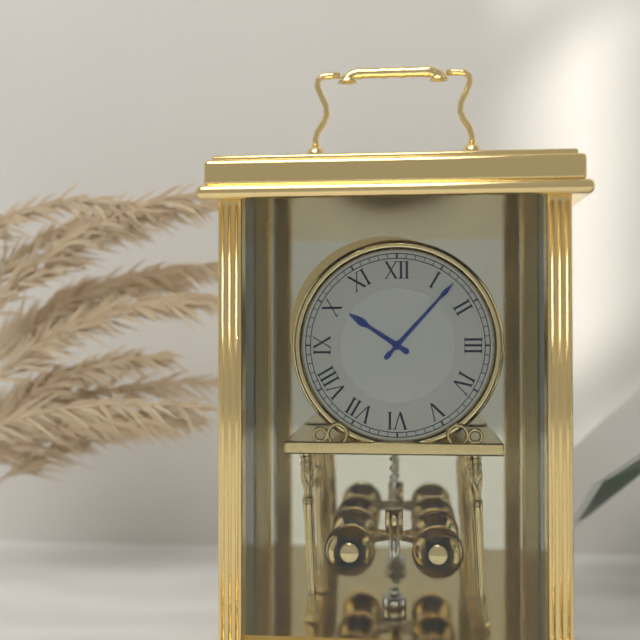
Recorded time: 10:07
